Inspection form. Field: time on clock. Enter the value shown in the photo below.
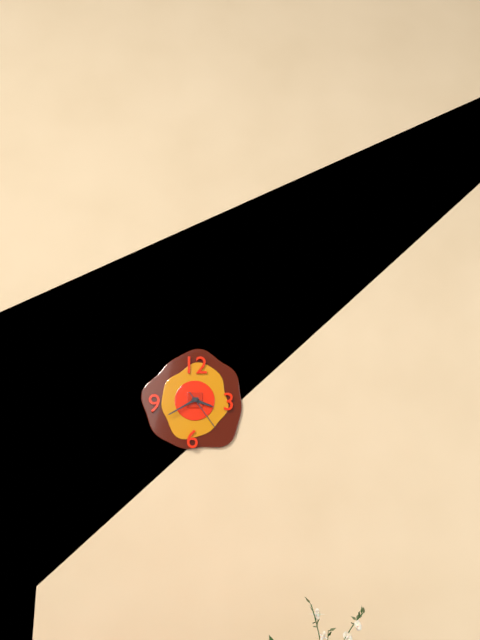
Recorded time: 3:40
